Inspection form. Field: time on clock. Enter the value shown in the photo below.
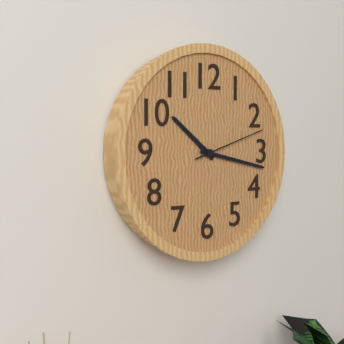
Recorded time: 10:17:12
